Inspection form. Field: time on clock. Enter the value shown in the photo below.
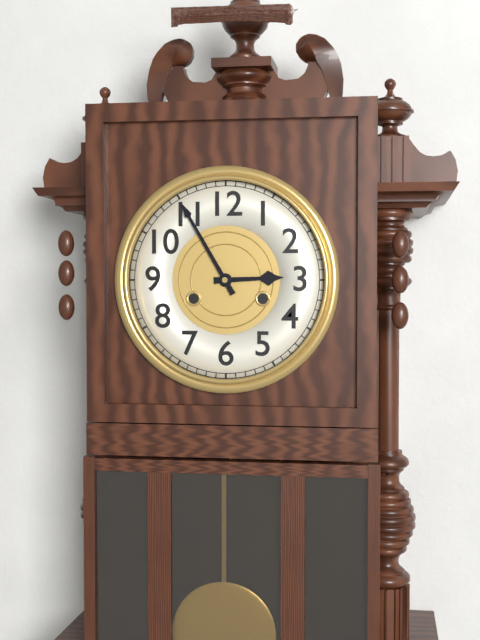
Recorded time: 2:55
